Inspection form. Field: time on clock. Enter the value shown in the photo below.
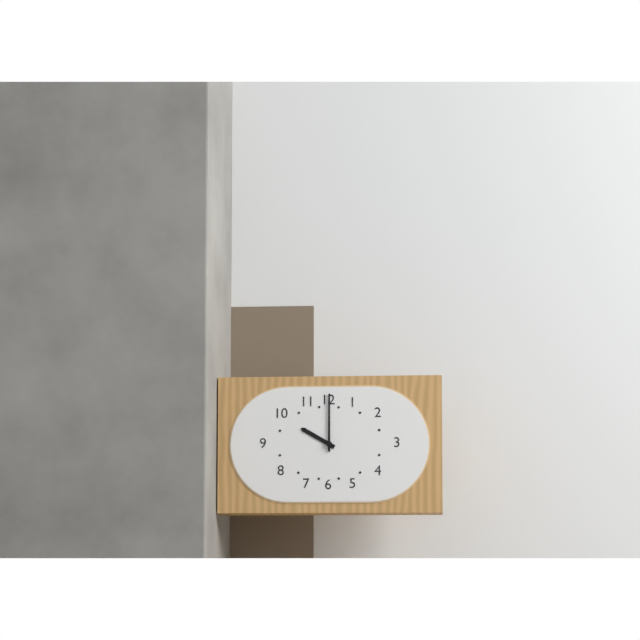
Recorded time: 10:00
